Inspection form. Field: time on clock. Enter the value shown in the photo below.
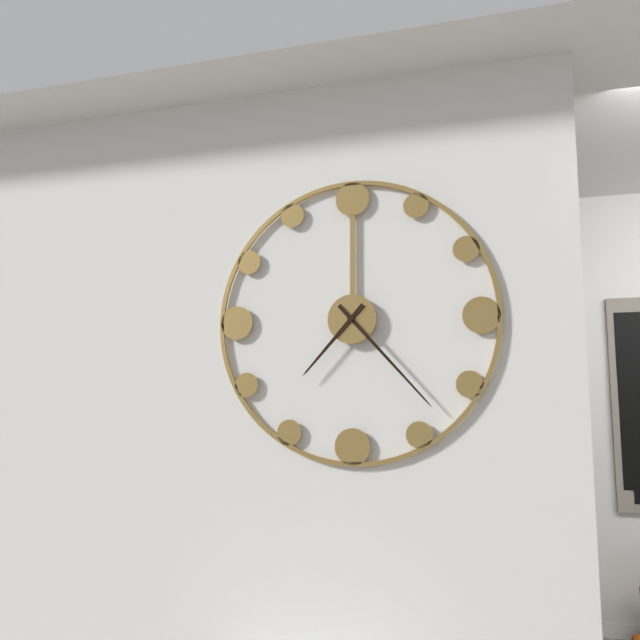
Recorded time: 7:23
